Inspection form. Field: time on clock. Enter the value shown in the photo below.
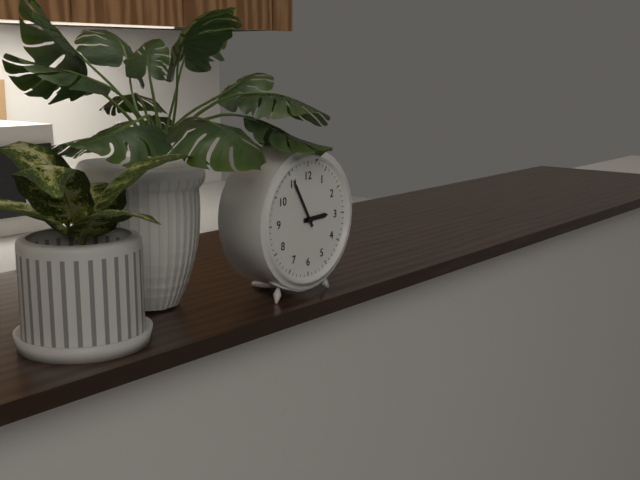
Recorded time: 2:55
